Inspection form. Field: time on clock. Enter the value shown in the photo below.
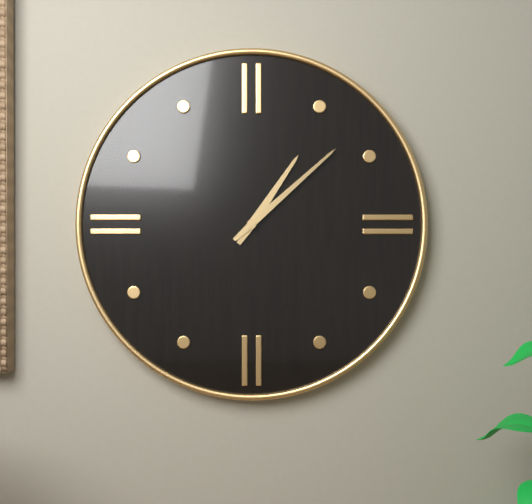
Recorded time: 1:08
